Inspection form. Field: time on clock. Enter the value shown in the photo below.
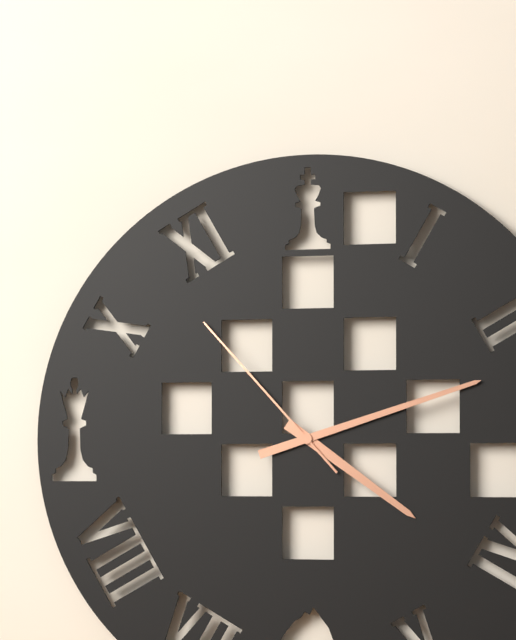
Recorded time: 4:12:53
